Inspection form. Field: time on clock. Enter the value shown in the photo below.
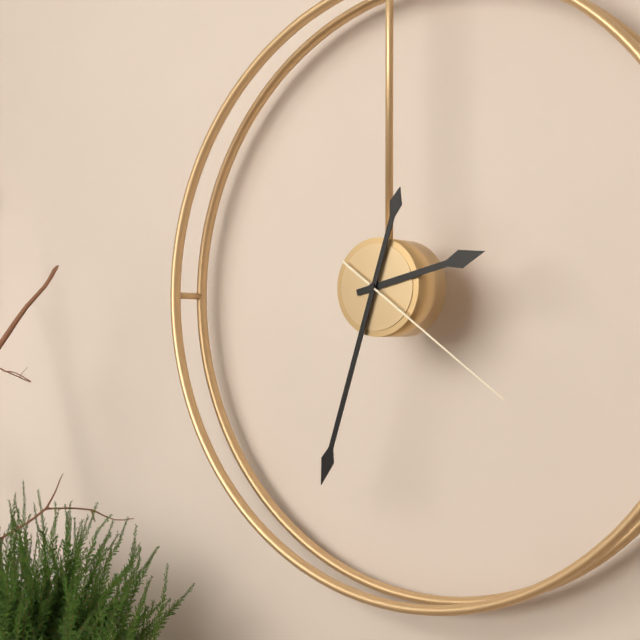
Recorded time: 2:33:21
